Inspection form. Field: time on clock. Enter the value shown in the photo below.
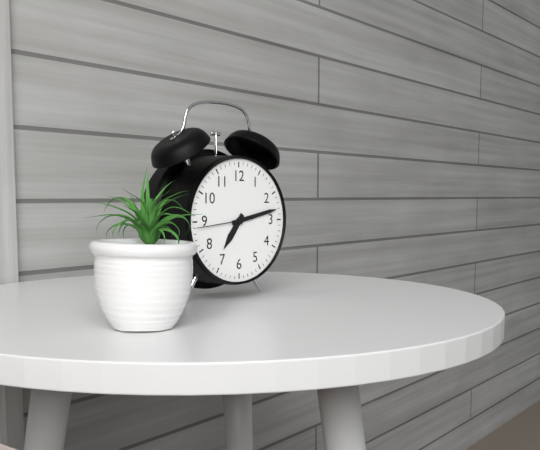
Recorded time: 7:13:44
